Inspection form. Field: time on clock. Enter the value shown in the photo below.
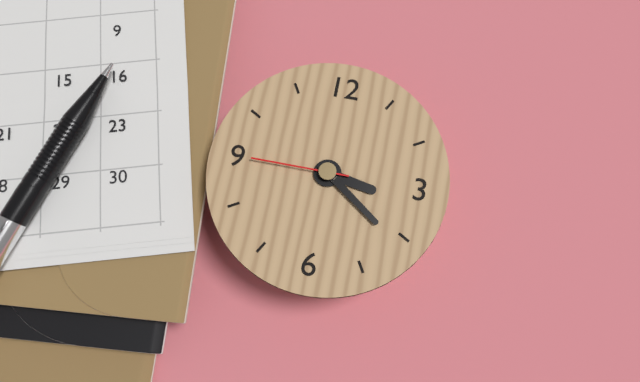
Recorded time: 3:21:45
